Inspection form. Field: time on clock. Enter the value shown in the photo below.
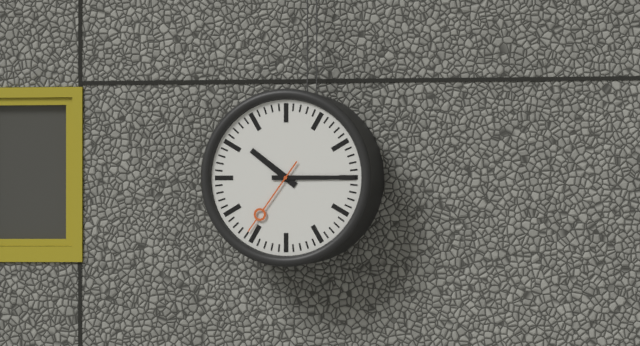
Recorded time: 10:15:36
